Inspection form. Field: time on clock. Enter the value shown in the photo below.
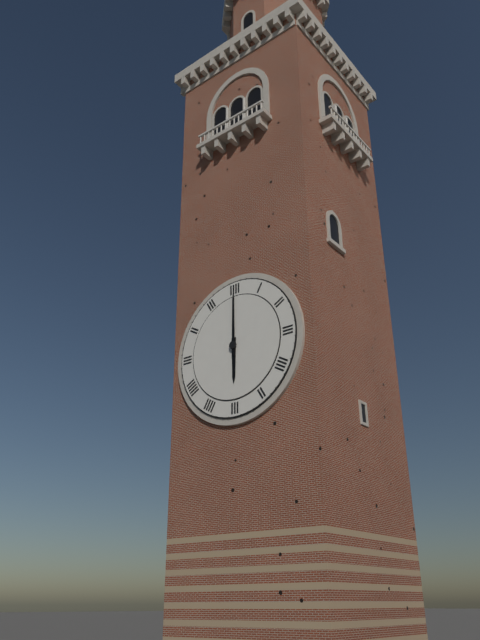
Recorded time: 6:00
